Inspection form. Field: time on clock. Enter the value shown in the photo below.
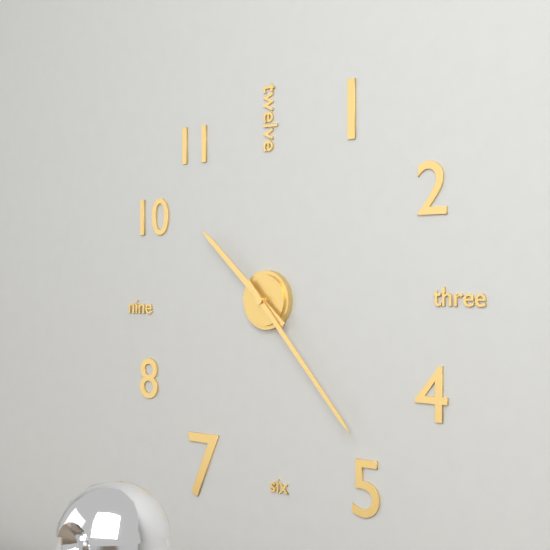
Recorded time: 10:23
